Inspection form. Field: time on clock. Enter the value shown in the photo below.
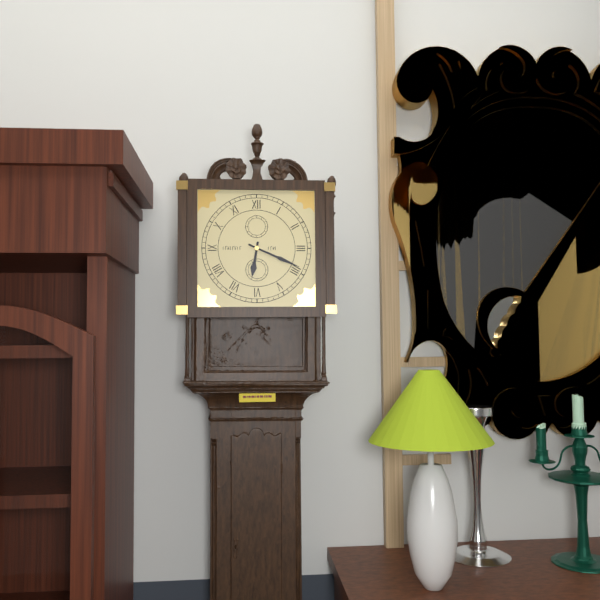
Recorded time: 6:19
